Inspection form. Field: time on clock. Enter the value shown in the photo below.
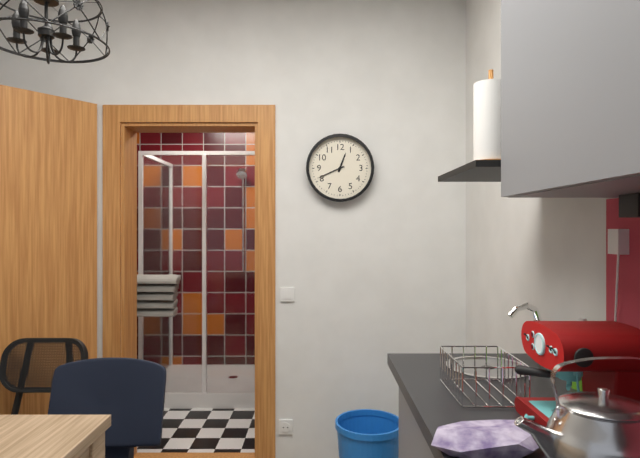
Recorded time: 12:41
